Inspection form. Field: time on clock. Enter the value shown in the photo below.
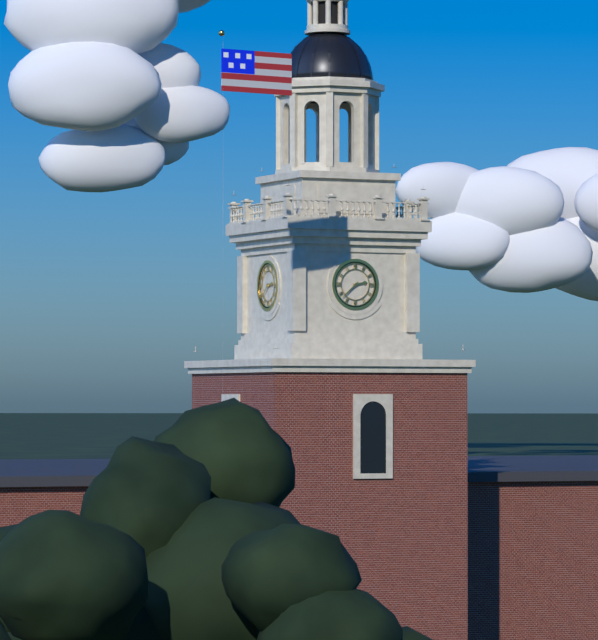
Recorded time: 2:38
